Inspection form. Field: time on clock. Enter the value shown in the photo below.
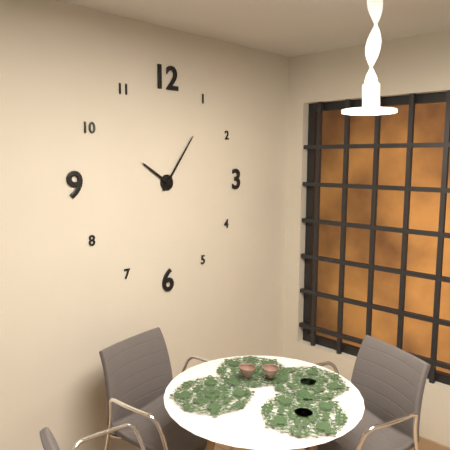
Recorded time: 10:06
